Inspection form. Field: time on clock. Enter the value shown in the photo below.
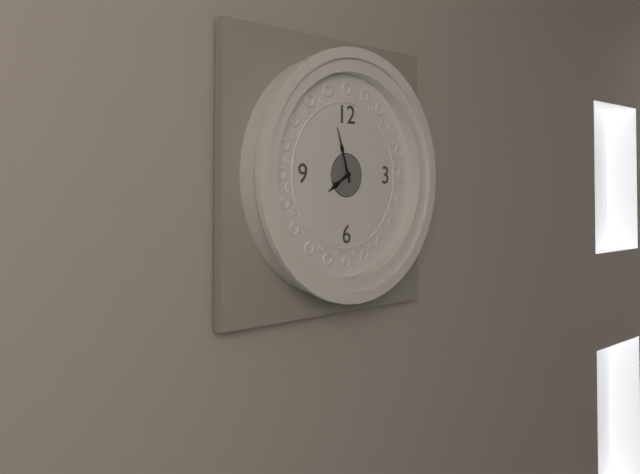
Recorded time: 7:57
